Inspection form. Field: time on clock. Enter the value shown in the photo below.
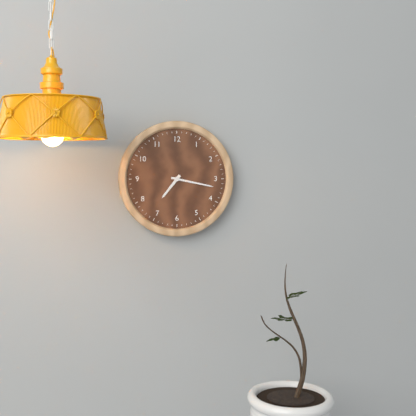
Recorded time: 7:17
